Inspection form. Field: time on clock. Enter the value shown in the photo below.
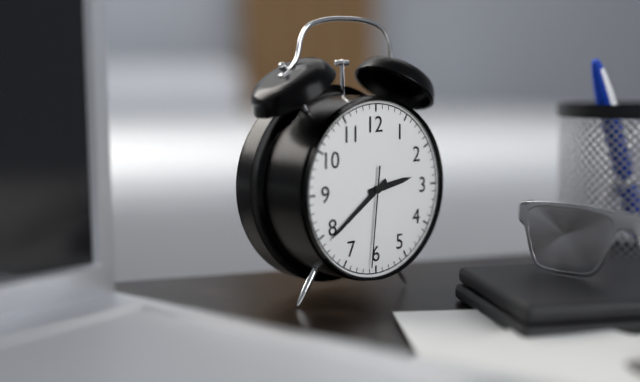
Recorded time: 2:39:31
